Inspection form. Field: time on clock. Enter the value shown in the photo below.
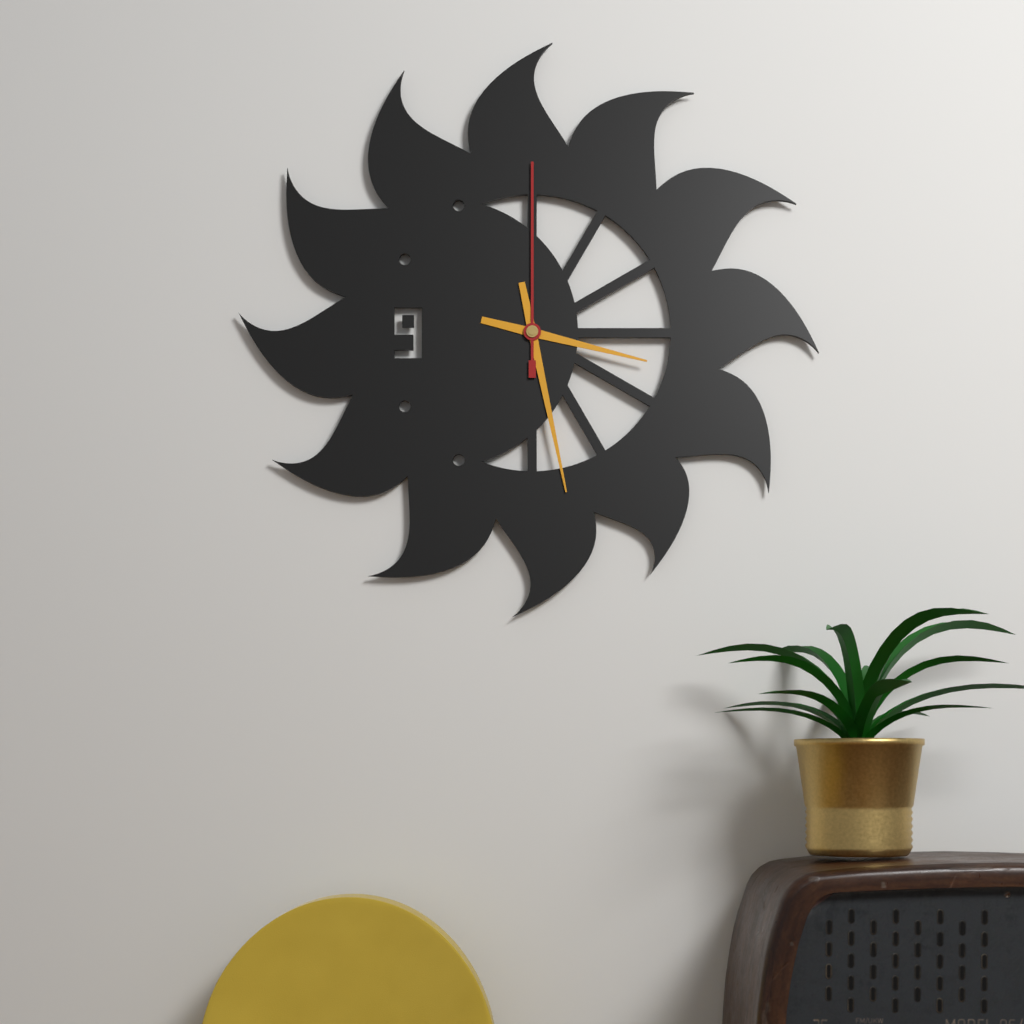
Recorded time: 3:28:00
